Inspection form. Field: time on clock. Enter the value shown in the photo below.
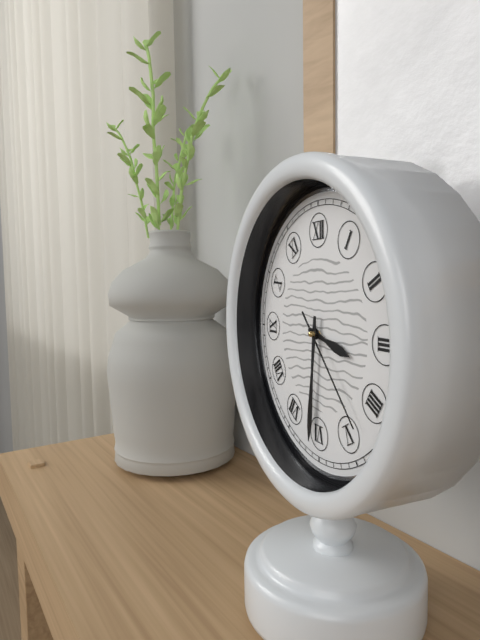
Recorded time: 3:31:23
